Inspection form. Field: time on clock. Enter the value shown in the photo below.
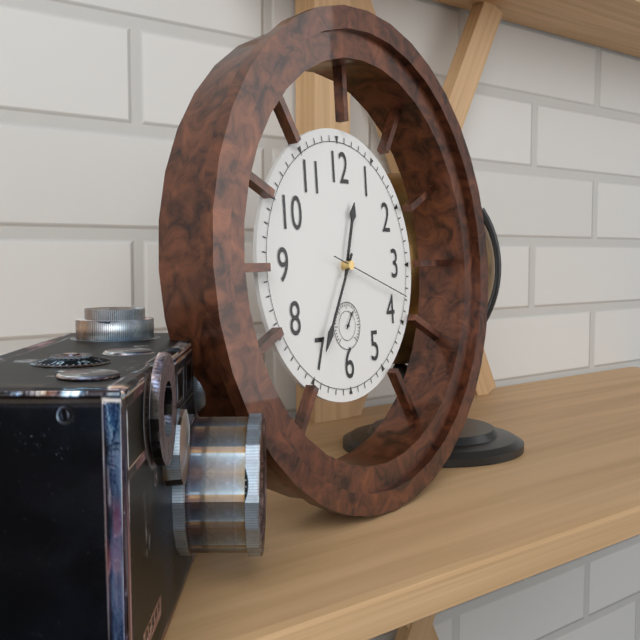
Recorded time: 12:35:18
